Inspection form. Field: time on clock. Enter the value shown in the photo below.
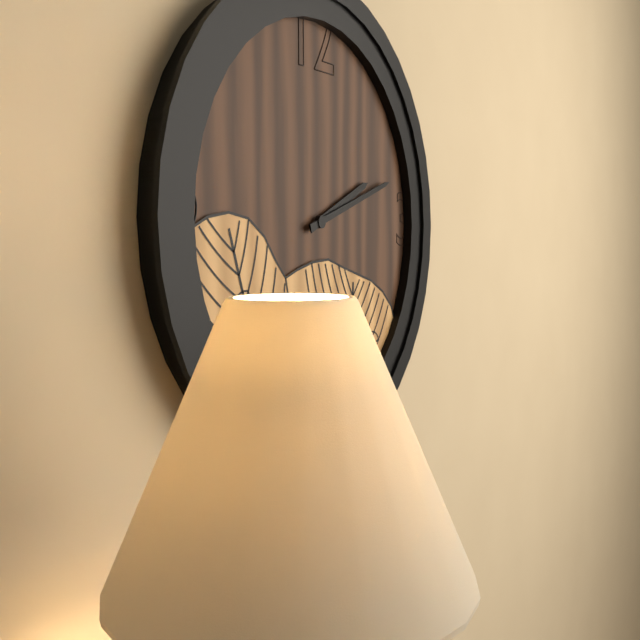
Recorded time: 2:12
